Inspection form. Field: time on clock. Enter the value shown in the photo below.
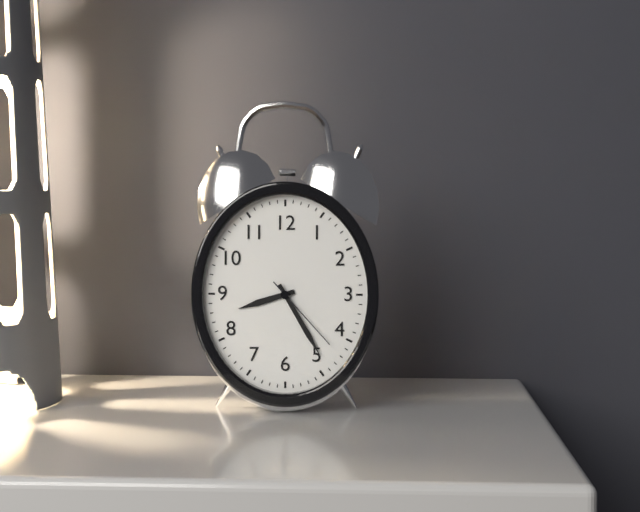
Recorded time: 8:25:23
